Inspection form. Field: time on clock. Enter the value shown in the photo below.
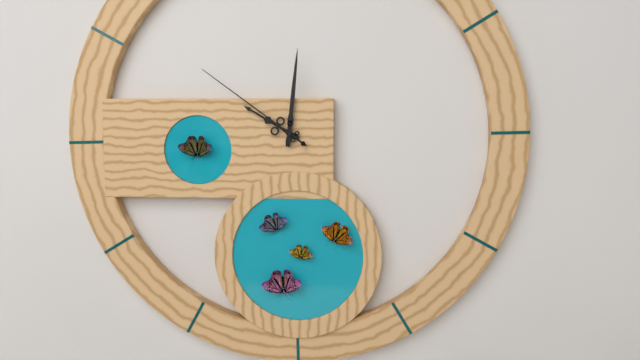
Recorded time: 10:01:51
